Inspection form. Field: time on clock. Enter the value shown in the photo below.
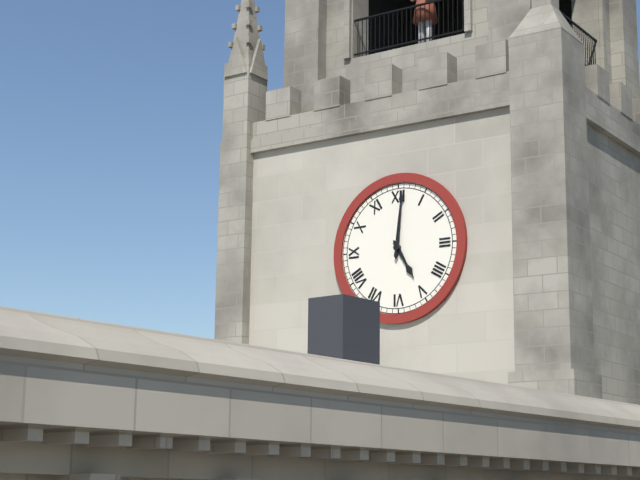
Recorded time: 5:01
